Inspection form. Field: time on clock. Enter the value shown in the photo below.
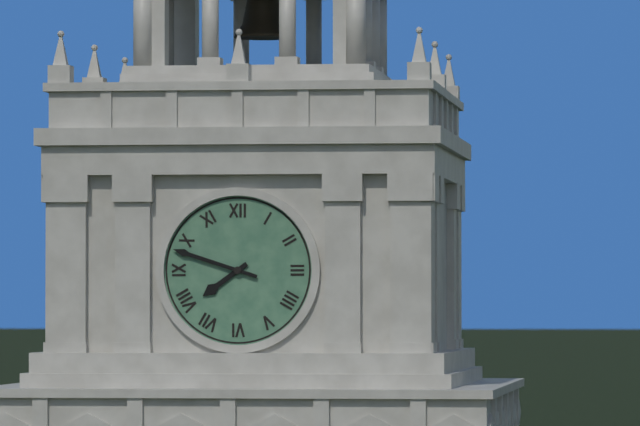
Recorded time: 7:48
